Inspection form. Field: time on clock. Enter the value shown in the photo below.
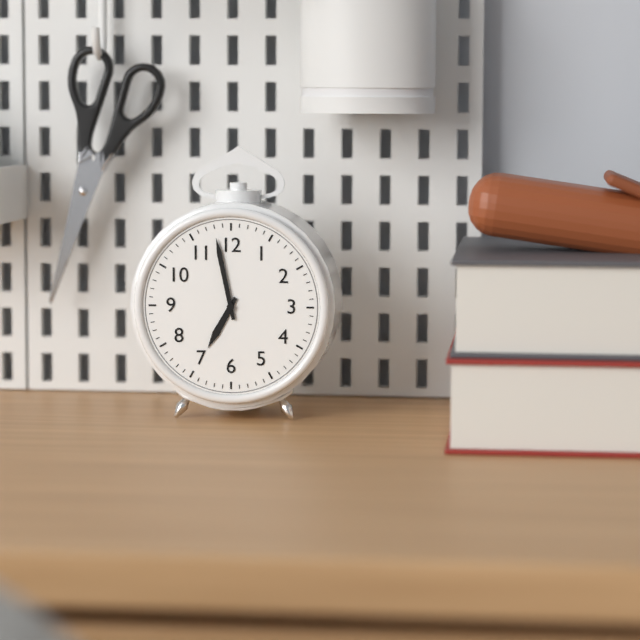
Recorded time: 6:58
